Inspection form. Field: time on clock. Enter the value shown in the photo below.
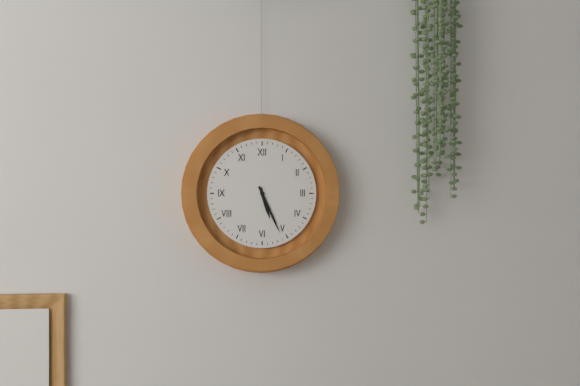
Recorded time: 5:26
